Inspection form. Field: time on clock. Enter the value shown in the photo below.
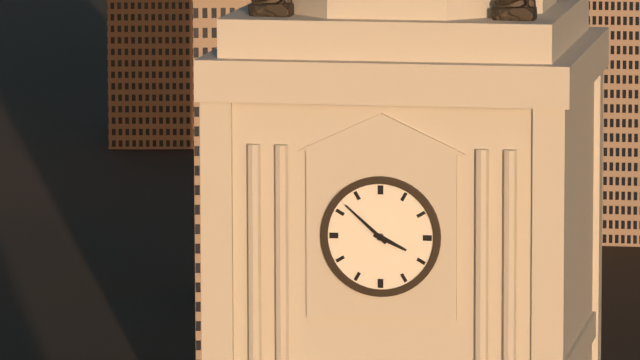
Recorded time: 3:52
